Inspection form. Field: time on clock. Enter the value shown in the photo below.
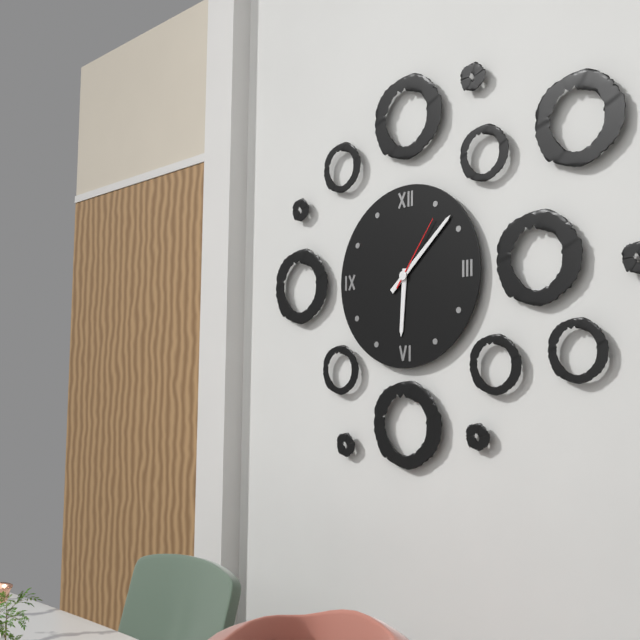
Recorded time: 6:08:06
